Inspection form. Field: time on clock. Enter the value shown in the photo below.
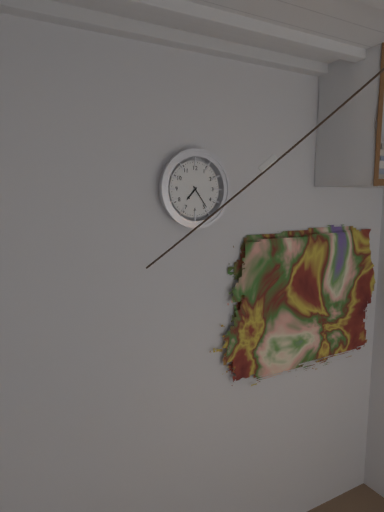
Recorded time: 7:24
